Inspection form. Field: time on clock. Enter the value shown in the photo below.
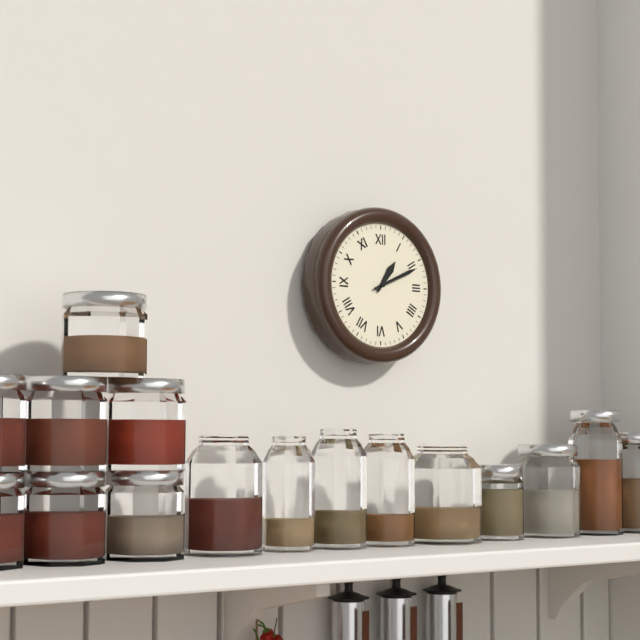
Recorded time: 1:11
